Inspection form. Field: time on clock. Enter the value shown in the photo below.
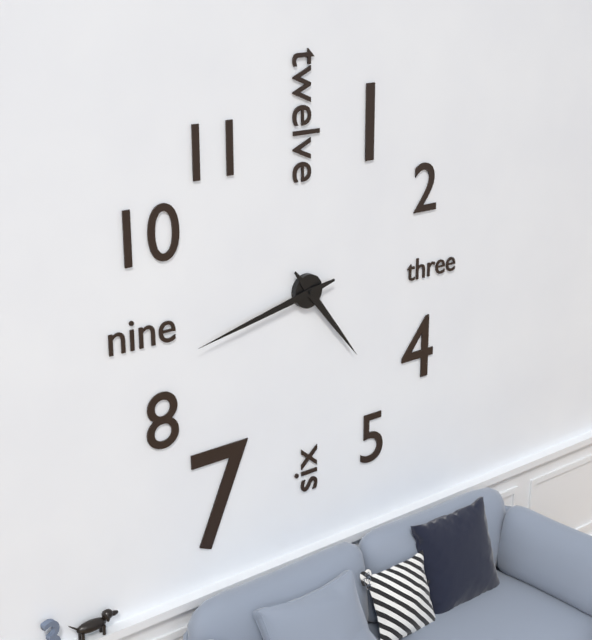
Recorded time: 4:43
